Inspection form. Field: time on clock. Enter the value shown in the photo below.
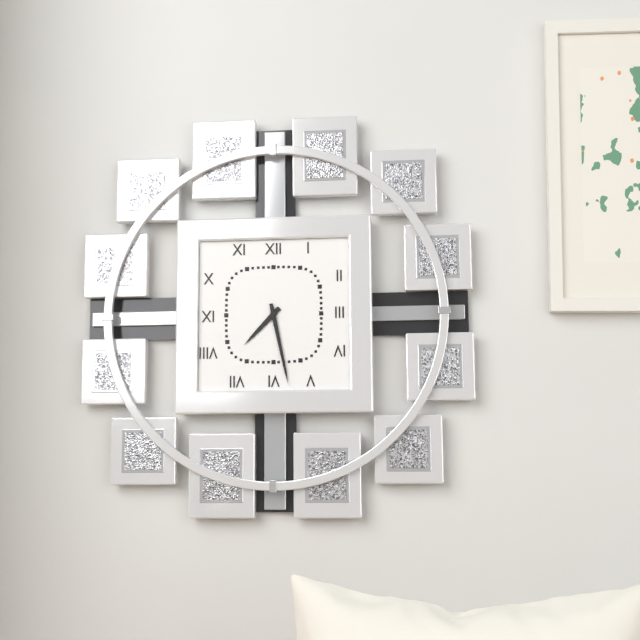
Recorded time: 7:28
